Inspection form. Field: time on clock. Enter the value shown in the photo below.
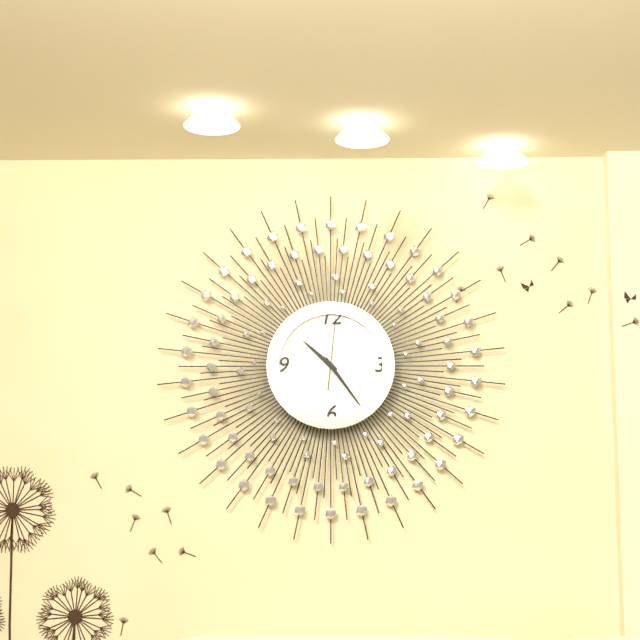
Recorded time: 10:24:01
